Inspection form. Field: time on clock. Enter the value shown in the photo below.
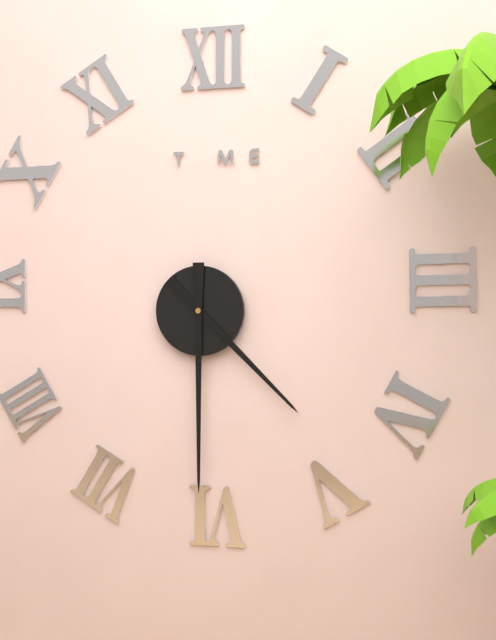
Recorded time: 4:30
